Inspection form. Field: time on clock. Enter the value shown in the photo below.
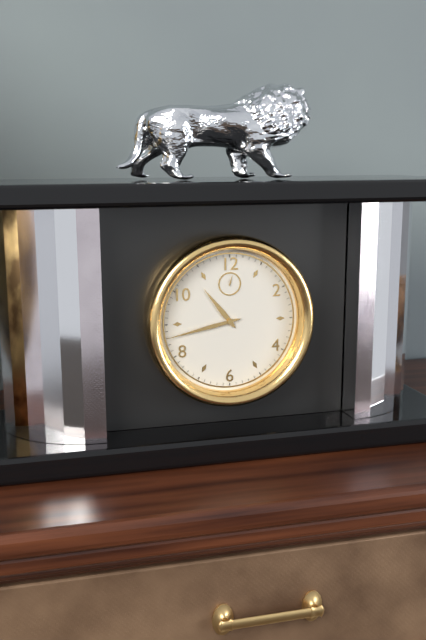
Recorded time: 10:43
